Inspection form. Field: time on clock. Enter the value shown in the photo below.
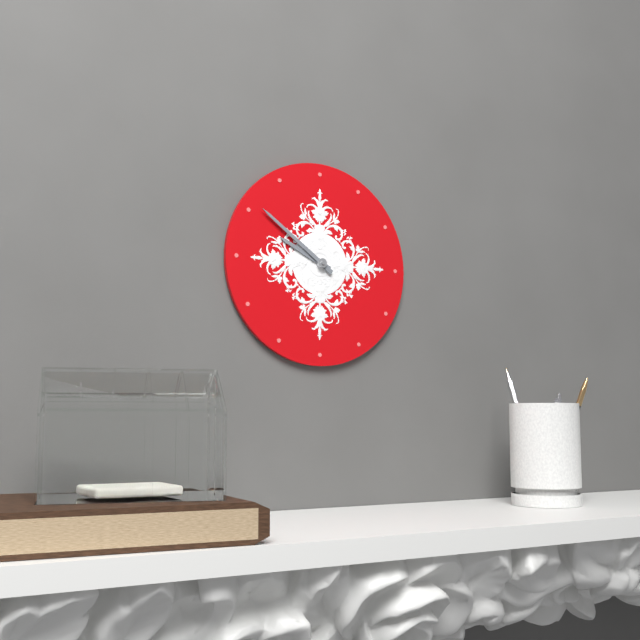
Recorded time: 9:51
